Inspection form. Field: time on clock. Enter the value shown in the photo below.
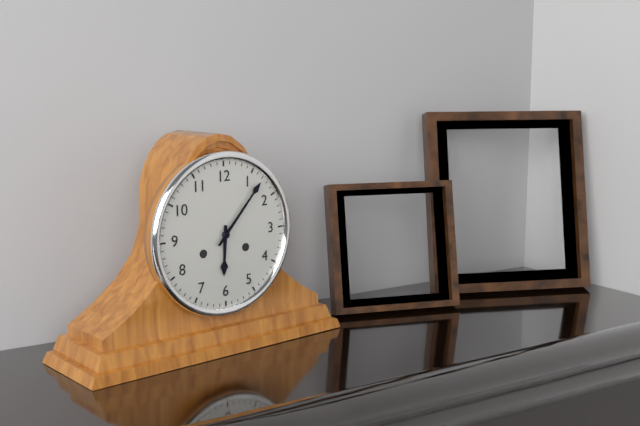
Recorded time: 6:07
